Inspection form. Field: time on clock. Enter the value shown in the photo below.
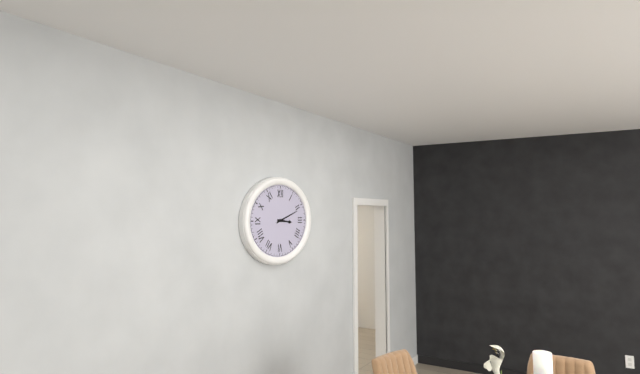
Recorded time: 3:12
